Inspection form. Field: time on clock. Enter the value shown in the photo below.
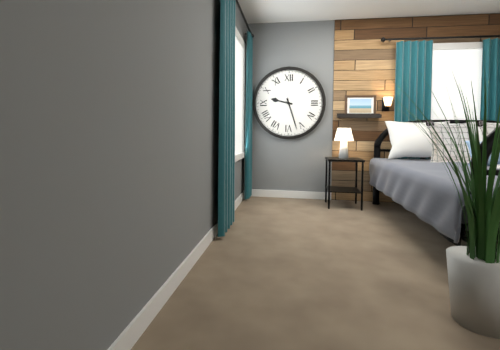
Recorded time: 9:27
